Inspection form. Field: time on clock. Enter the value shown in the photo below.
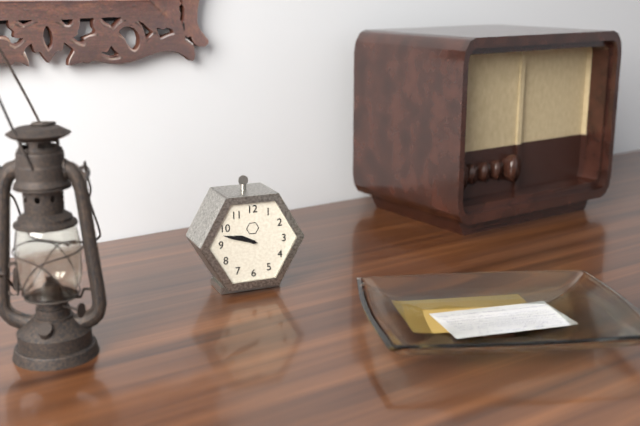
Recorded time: 9:48
